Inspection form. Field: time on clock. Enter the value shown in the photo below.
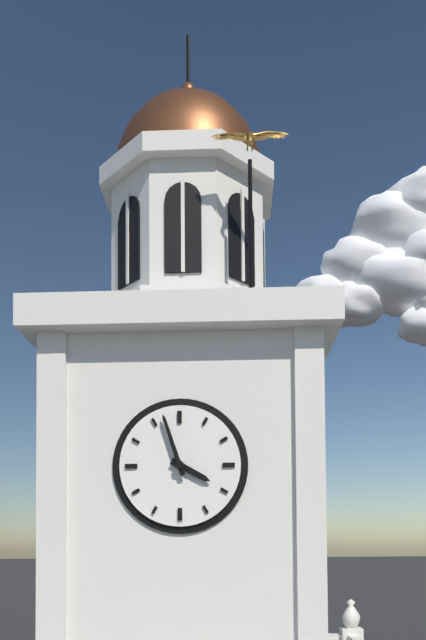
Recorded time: 3:57
